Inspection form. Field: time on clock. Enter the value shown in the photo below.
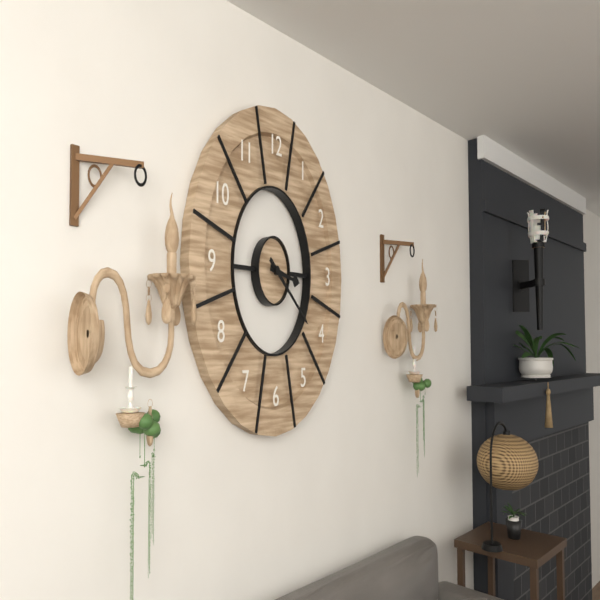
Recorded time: 3:21
